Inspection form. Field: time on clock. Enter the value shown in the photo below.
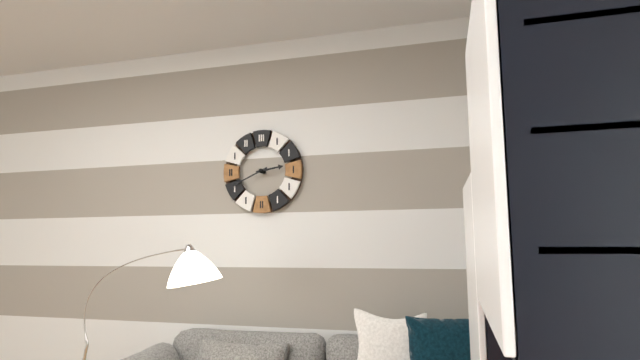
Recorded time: 2:41
